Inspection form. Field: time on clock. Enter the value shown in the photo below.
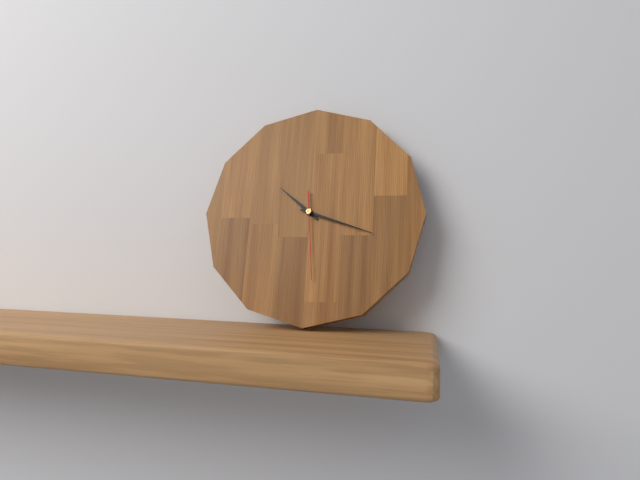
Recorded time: 10:18:29
